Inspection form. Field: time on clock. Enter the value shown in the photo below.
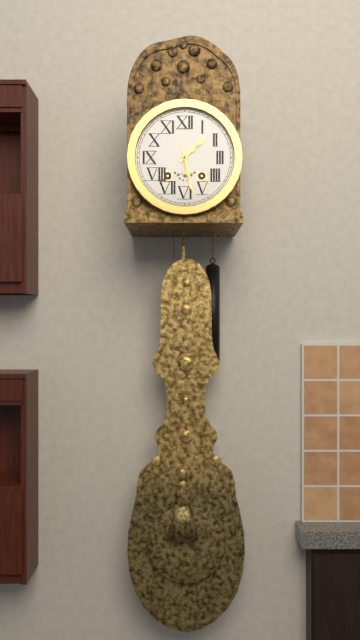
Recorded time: 1:28
